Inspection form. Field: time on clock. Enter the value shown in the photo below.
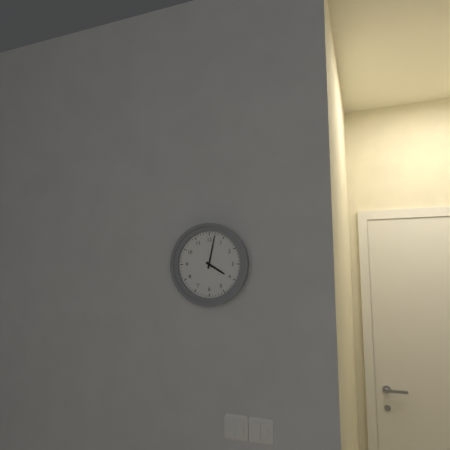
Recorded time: 4:02
